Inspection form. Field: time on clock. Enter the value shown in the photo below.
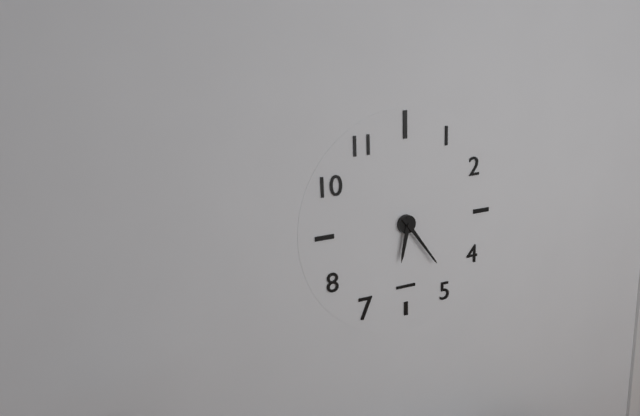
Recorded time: 6:24
